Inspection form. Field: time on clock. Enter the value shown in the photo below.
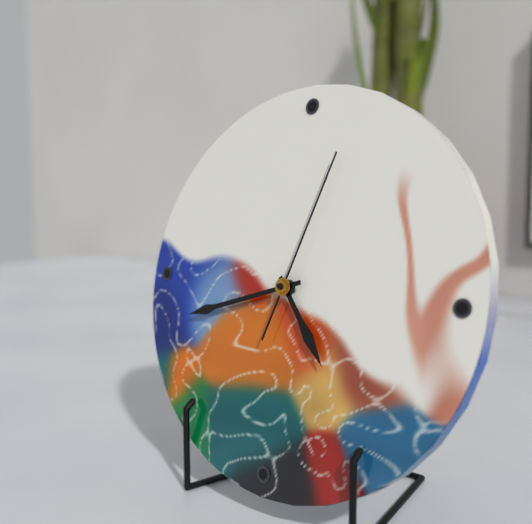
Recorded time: 4:42:03
